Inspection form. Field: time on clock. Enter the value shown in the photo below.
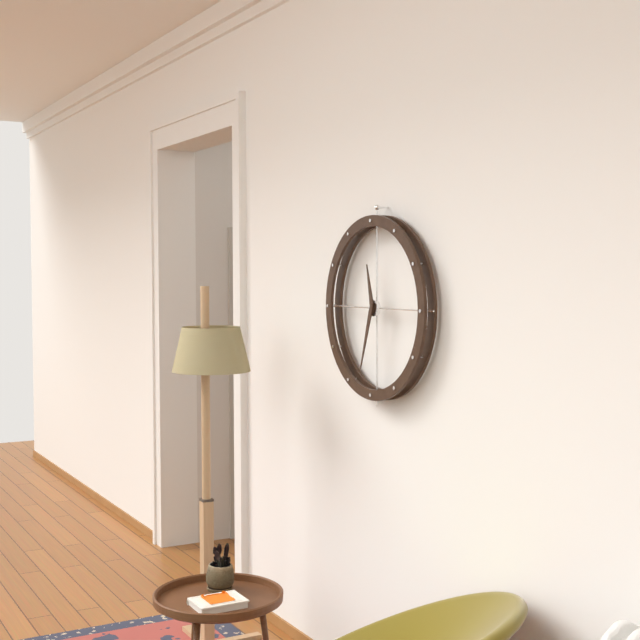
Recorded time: 11:33
